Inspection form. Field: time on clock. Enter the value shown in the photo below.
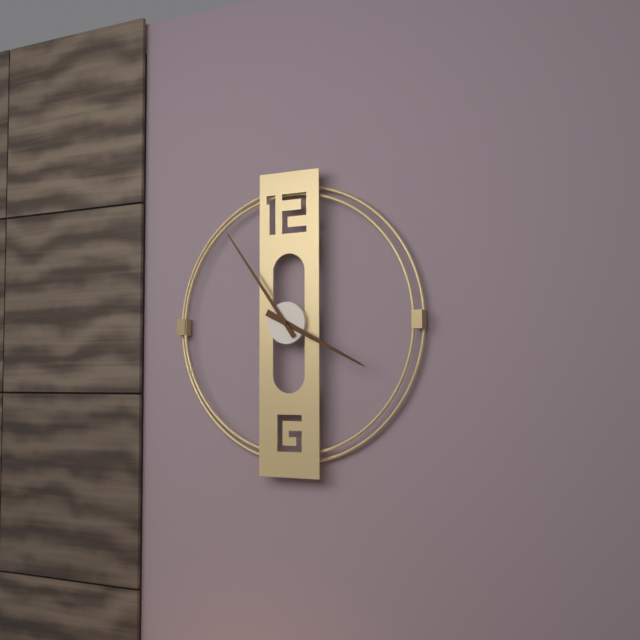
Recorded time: 3:54
